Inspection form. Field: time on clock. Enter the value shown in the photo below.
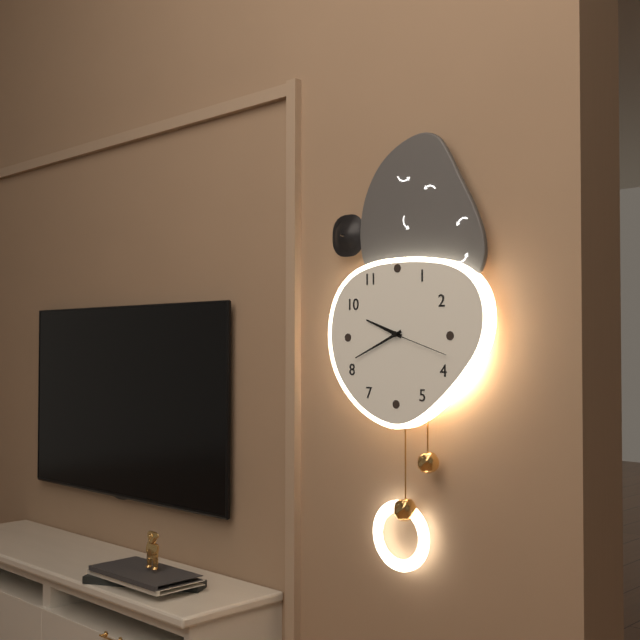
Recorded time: 9:41:18
